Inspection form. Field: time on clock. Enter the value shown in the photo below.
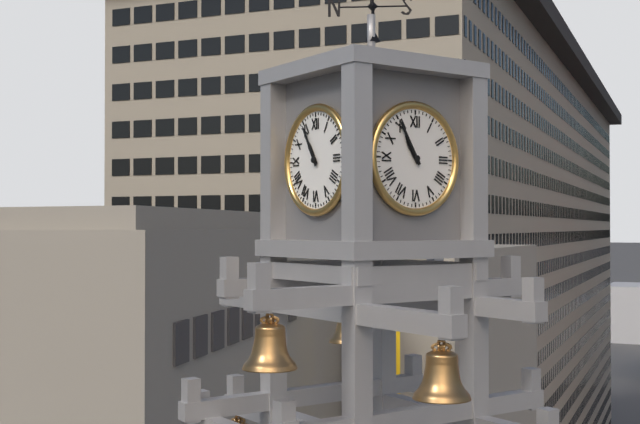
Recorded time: 10:55
